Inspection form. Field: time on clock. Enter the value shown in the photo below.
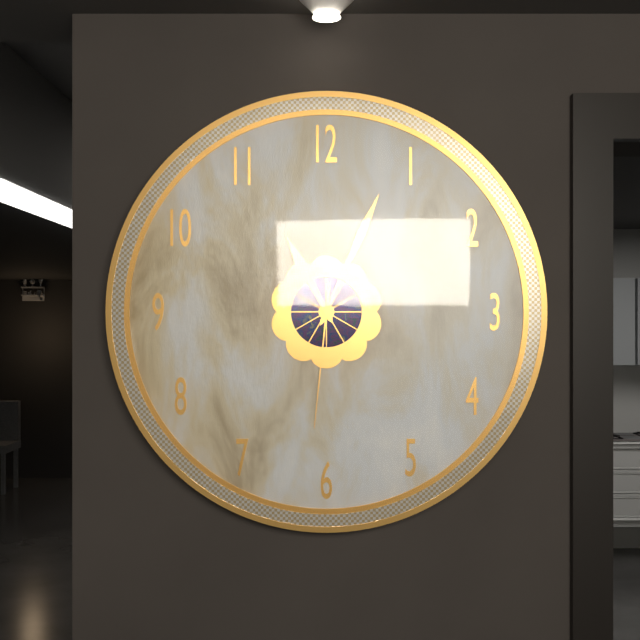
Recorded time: 11:04:31
